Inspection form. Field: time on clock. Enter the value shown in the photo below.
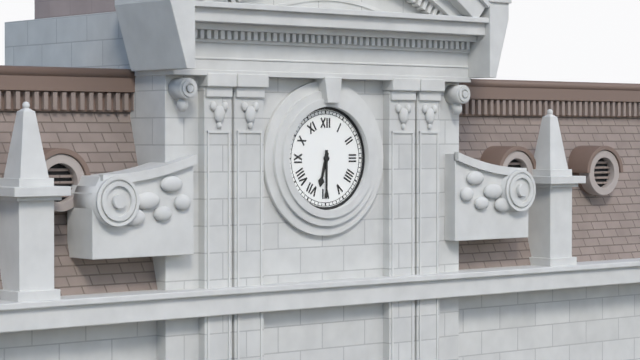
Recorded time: 6:30
